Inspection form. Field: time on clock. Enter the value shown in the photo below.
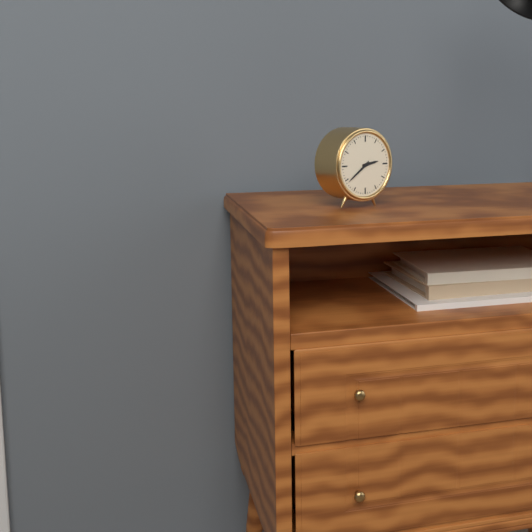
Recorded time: 2:39
